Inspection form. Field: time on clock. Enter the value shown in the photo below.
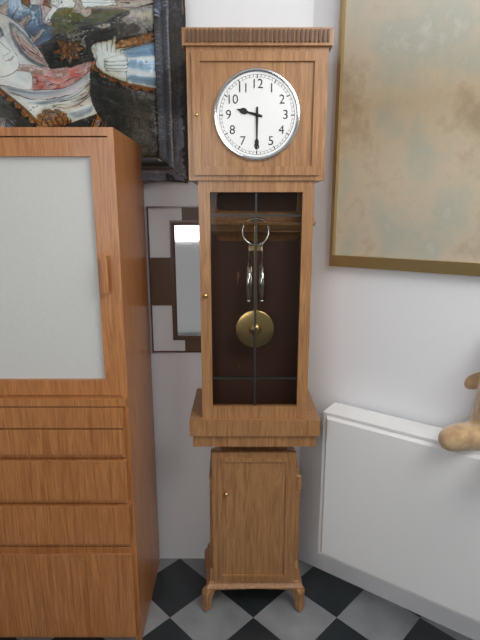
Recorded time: 9:30
